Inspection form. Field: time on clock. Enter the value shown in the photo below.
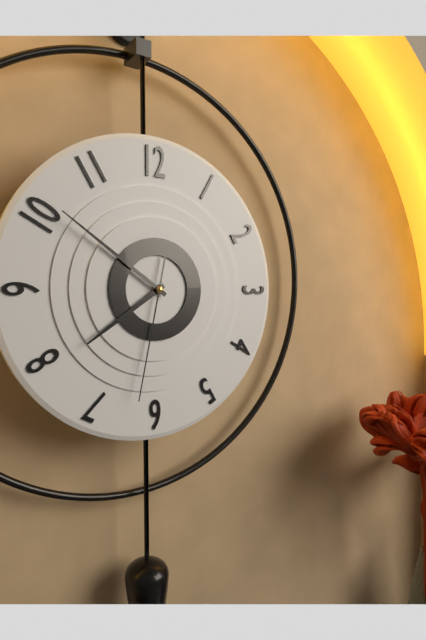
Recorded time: 7:51:32
